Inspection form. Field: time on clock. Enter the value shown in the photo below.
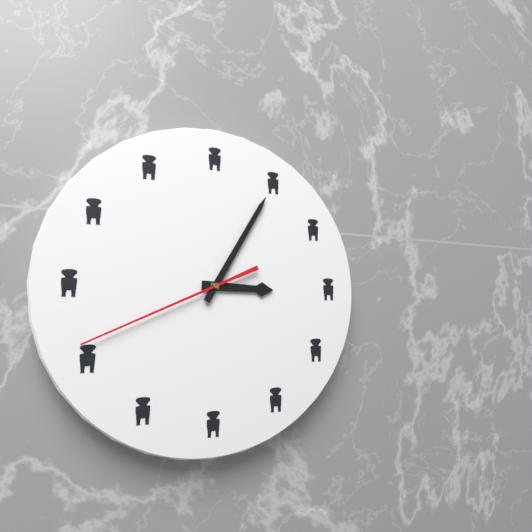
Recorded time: 3:05:41
